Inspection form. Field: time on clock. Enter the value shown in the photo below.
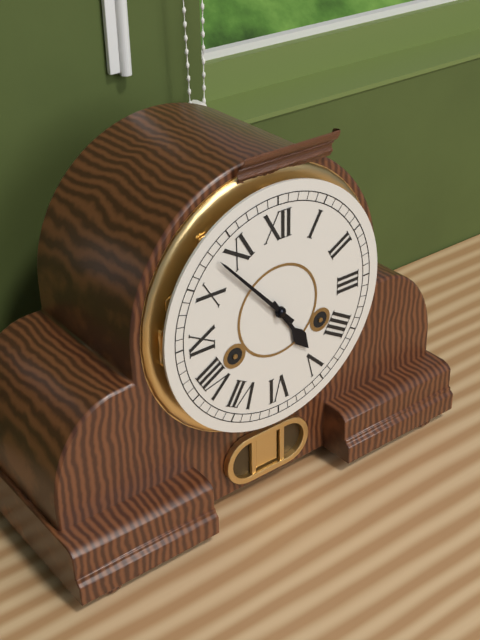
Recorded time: 4:53
